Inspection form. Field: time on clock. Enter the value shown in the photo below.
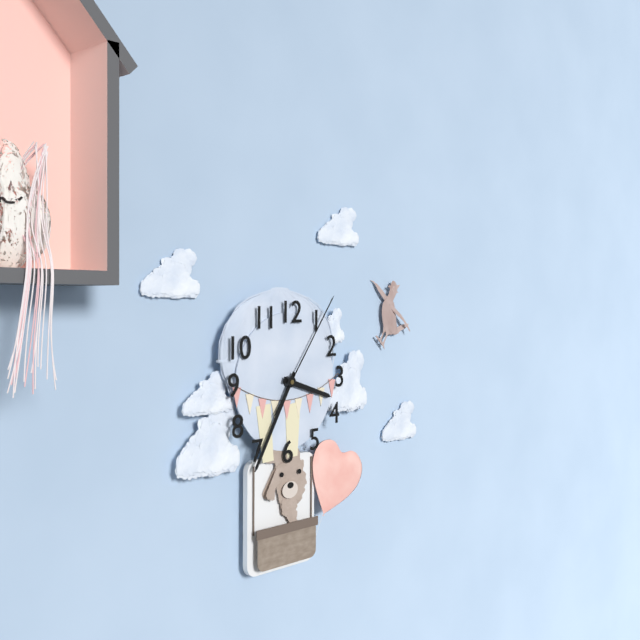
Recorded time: 3:35:06
